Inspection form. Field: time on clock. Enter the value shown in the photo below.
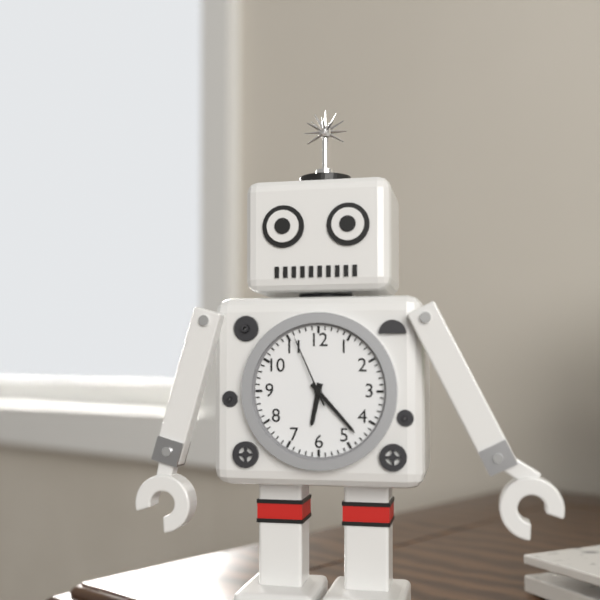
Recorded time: 6:23:56
